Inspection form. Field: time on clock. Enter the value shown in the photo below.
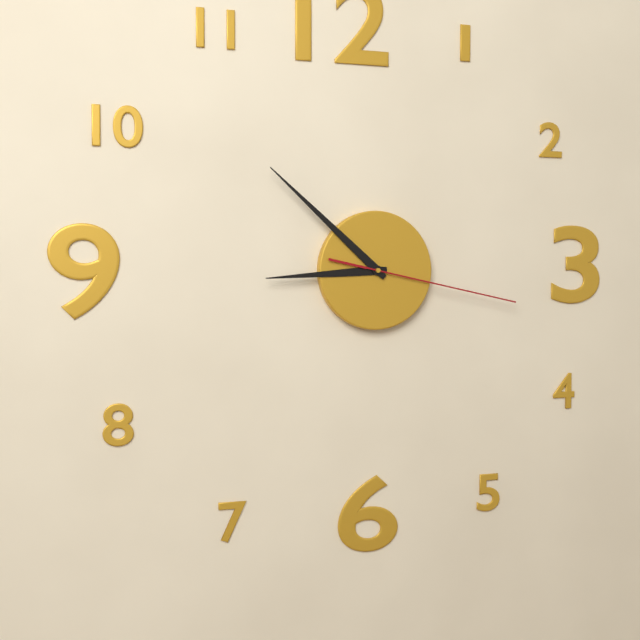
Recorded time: 8:52:17
